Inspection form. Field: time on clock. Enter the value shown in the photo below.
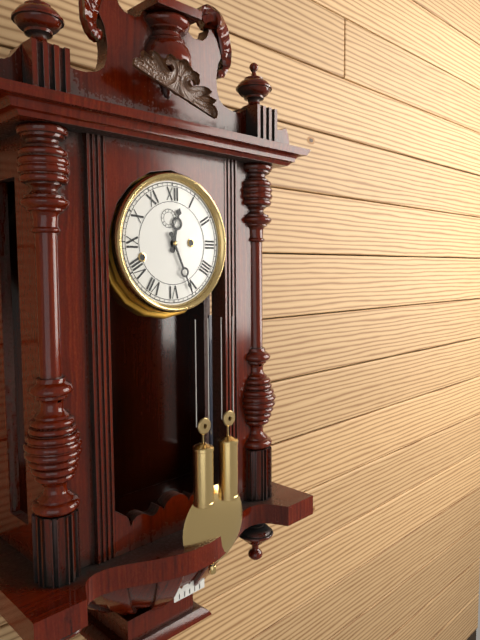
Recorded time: 12:26
